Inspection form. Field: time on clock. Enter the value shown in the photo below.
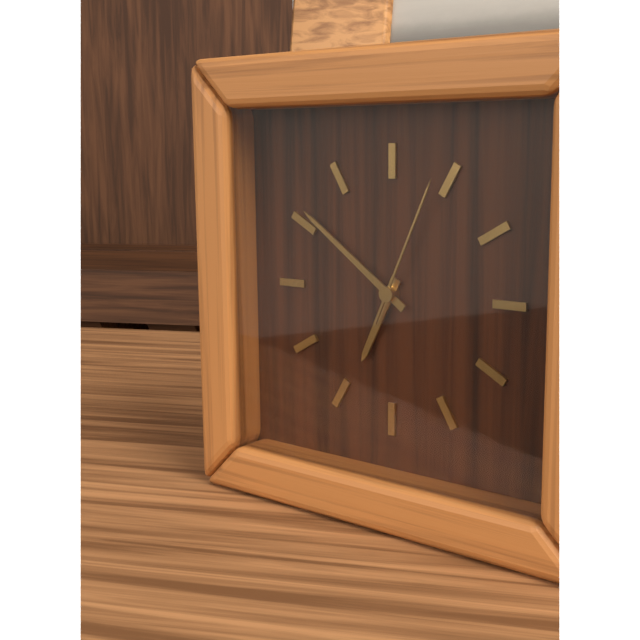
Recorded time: 6:51:04
